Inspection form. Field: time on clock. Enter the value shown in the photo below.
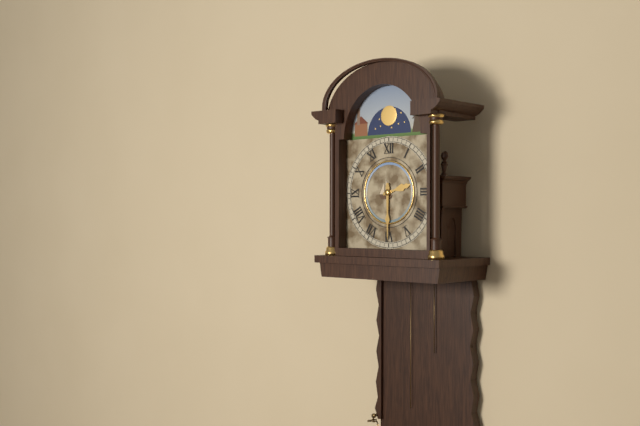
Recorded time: 2:30
